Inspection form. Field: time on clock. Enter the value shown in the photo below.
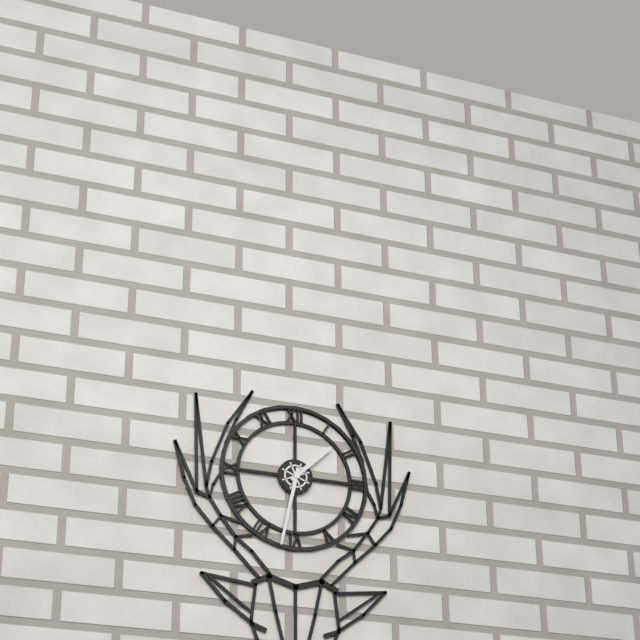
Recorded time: 1:32
